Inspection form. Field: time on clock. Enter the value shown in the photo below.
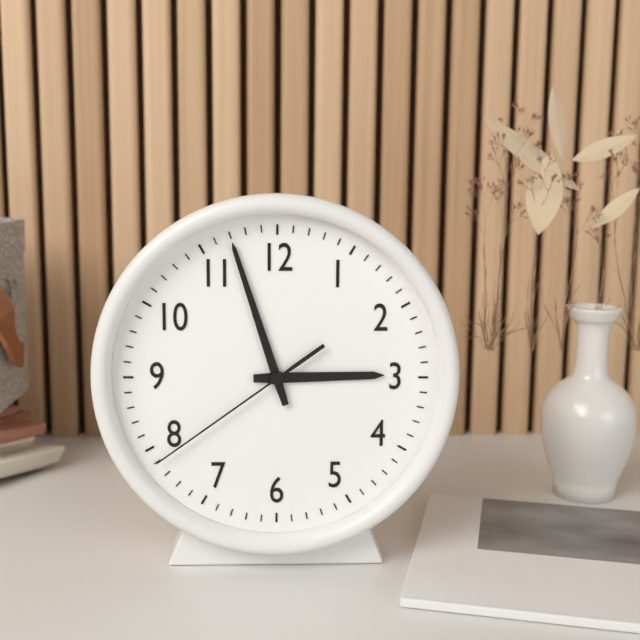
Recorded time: 2:57:39
